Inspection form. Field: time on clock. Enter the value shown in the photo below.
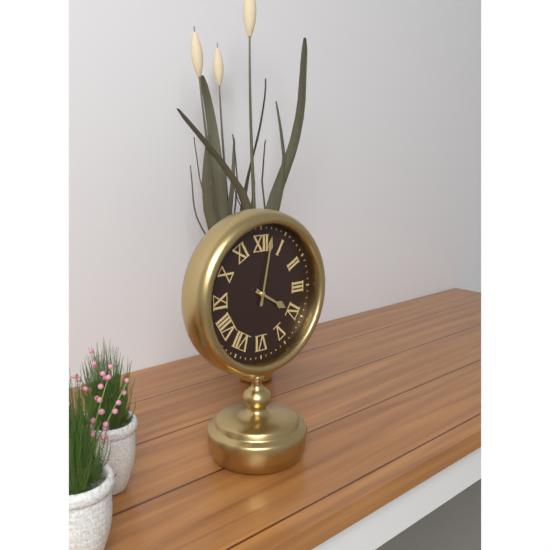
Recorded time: 4:02
